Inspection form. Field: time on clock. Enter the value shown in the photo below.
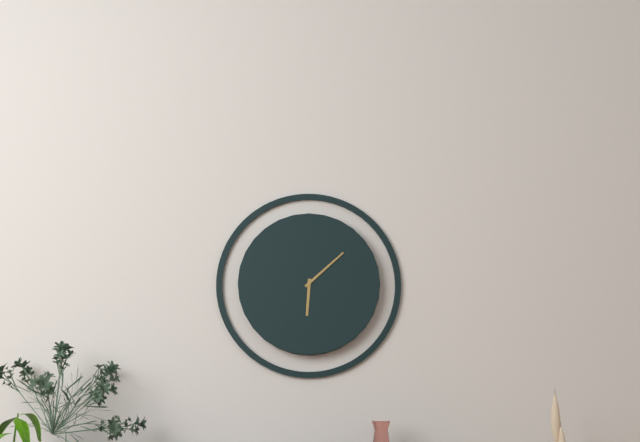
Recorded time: 6:08
